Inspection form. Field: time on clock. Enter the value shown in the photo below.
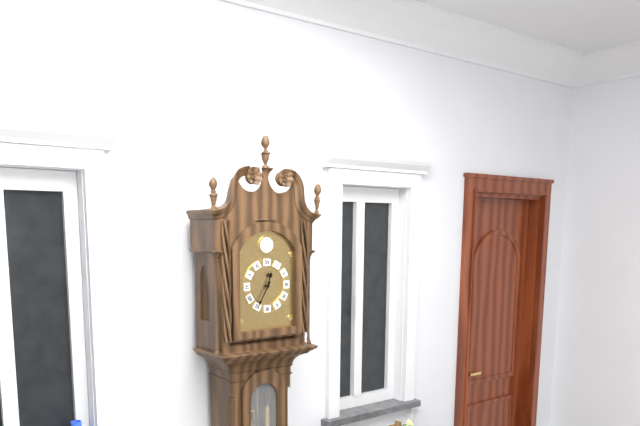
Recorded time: 12:35
